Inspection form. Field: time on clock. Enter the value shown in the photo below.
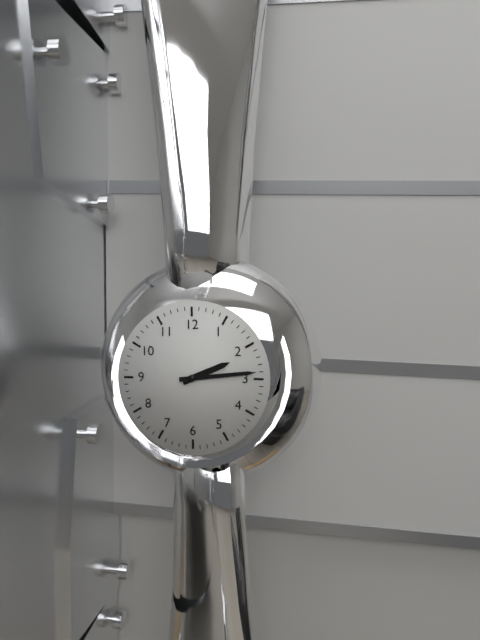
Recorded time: 2:14
